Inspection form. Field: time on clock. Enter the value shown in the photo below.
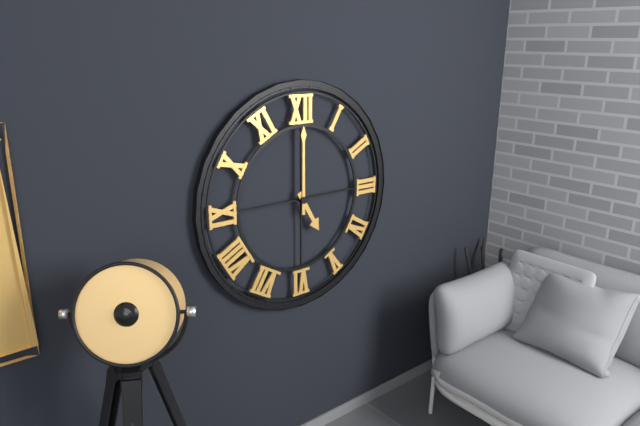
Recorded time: 5:00
